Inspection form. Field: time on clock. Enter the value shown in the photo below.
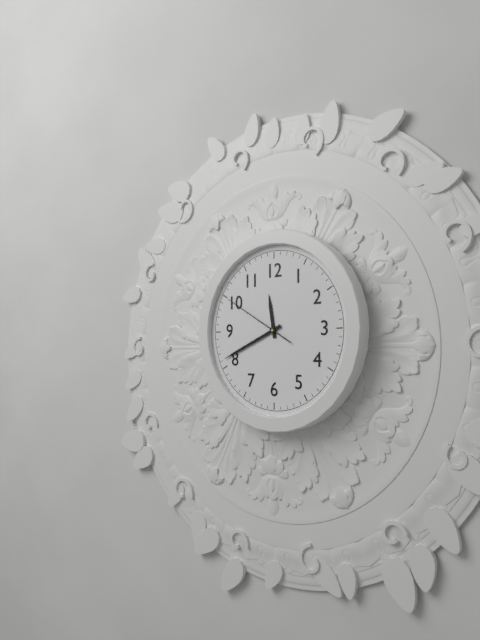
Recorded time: 11:41:50
